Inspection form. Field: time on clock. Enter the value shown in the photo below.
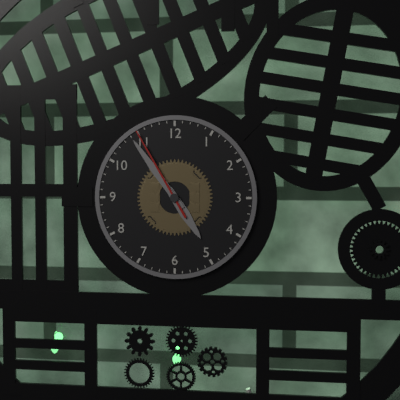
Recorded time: 4:54:55
